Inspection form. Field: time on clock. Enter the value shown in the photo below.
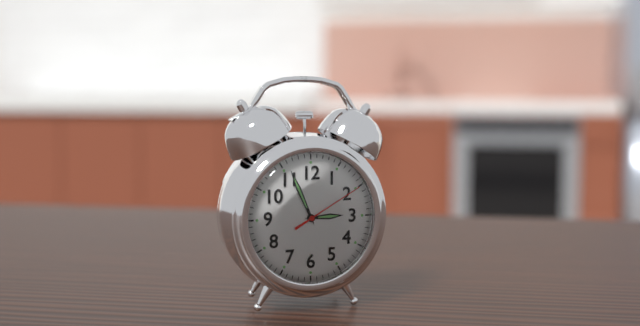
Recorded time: 2:56:10
